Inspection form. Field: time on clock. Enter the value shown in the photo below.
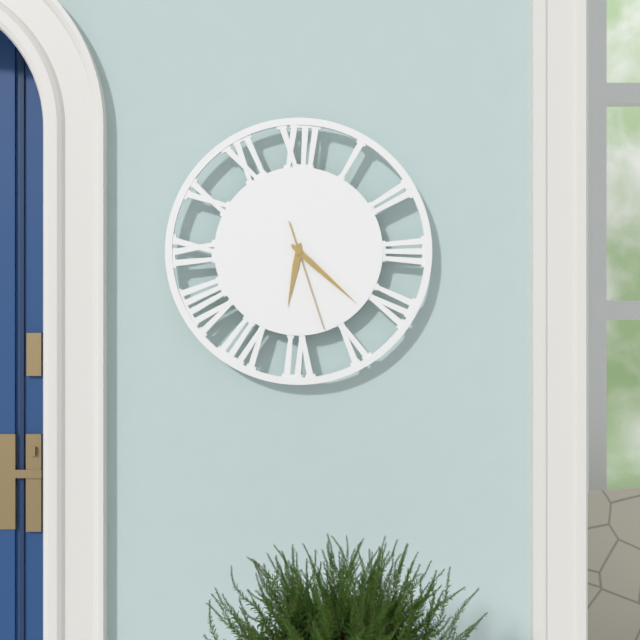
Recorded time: 6:22:27
